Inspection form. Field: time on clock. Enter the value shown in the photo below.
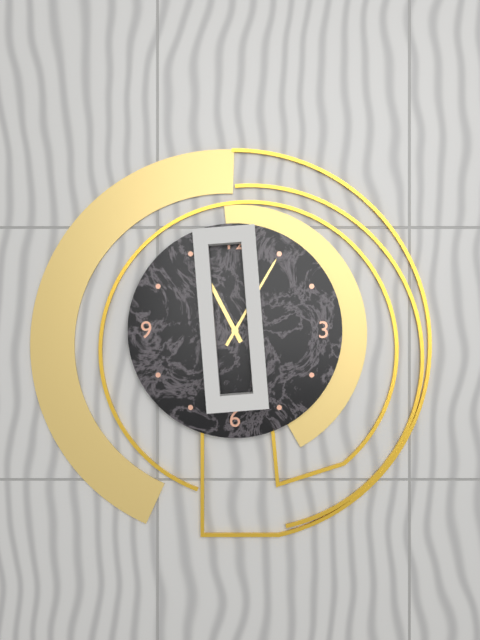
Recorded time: 11:05
